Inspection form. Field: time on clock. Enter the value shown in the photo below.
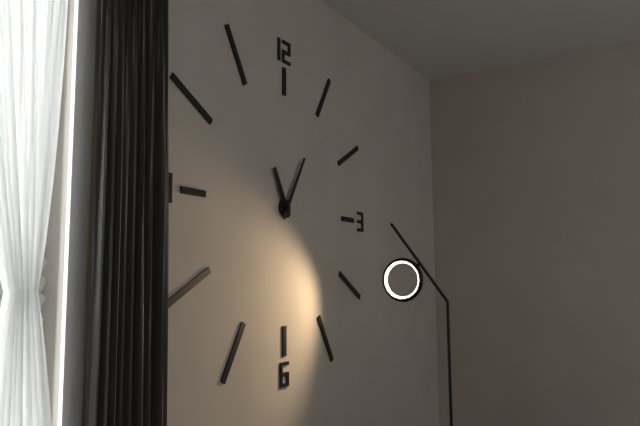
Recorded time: 11:05
